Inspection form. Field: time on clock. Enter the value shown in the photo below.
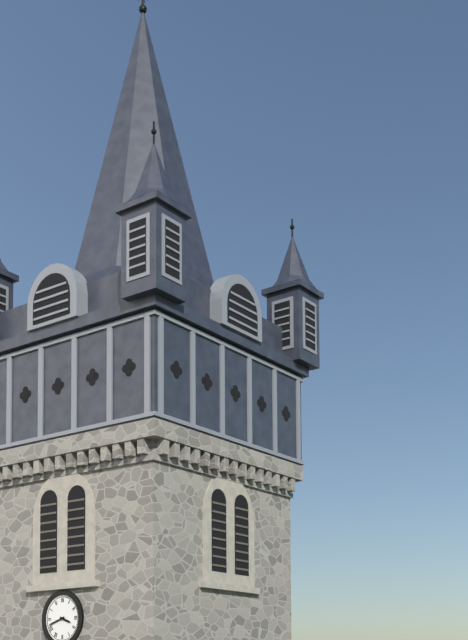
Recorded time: 3:42
